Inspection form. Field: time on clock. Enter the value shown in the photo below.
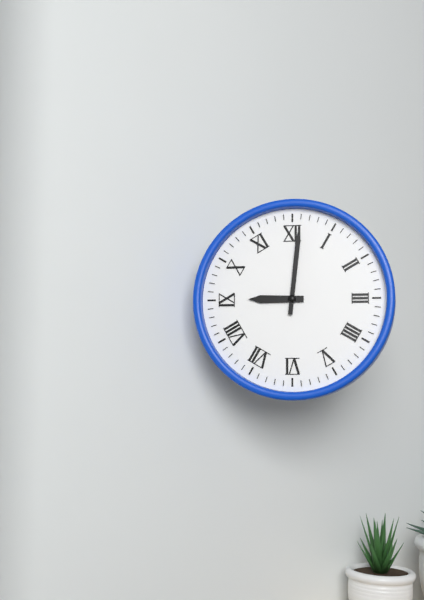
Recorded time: 9:01
